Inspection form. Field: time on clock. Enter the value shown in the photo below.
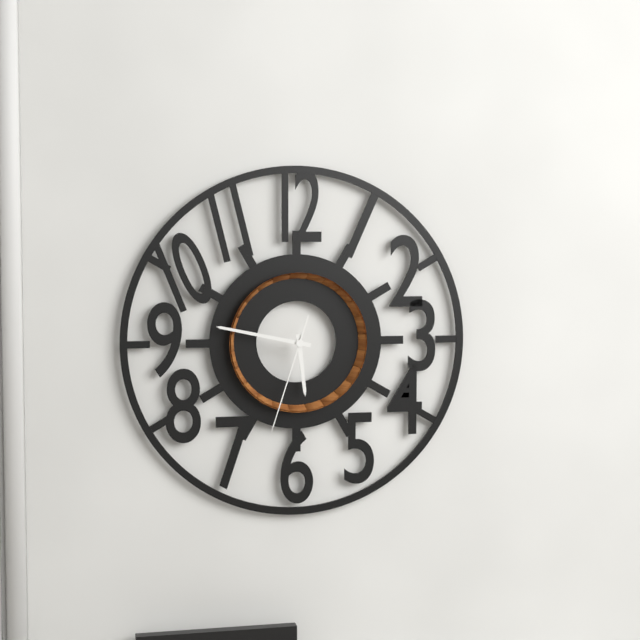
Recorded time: 5:47:33
